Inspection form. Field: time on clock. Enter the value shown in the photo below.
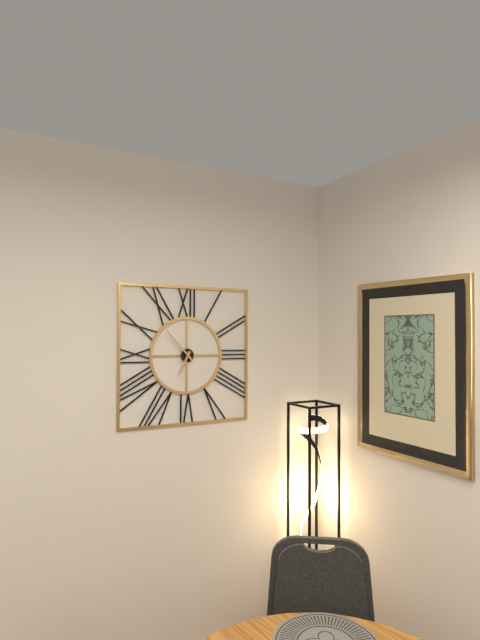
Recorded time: 6:53
